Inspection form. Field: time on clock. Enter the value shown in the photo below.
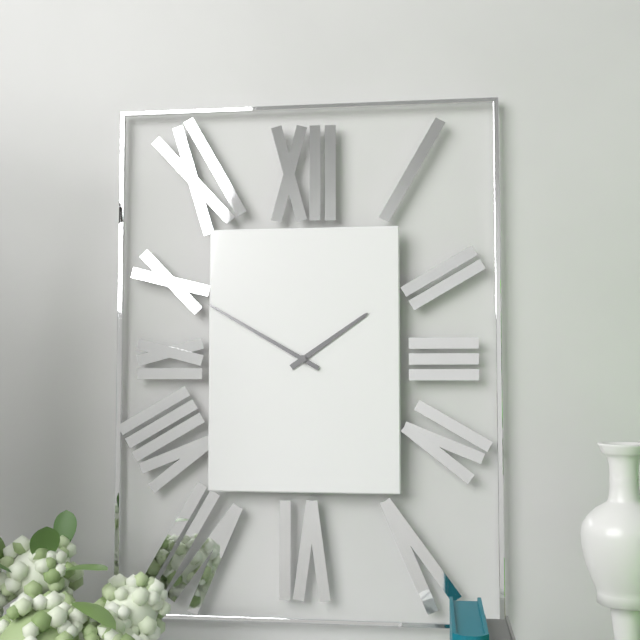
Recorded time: 1:50
